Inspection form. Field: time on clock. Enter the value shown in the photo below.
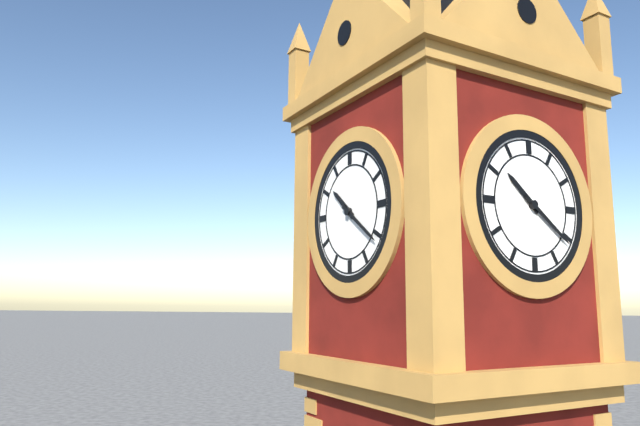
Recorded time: 10:21
